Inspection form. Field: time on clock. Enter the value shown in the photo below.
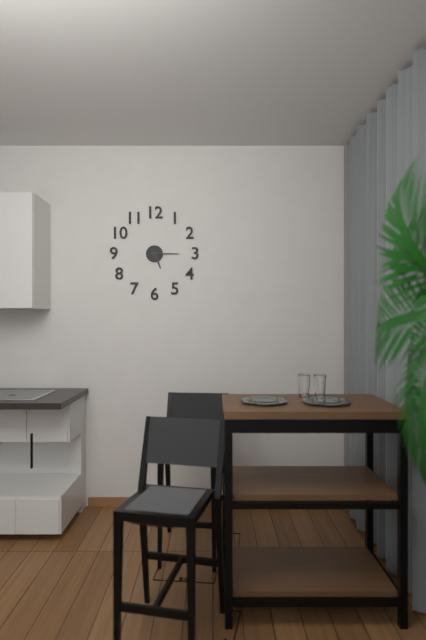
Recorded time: 5:15
